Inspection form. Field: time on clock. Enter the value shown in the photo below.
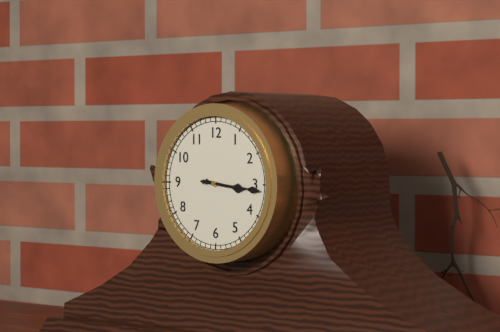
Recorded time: 3:16
